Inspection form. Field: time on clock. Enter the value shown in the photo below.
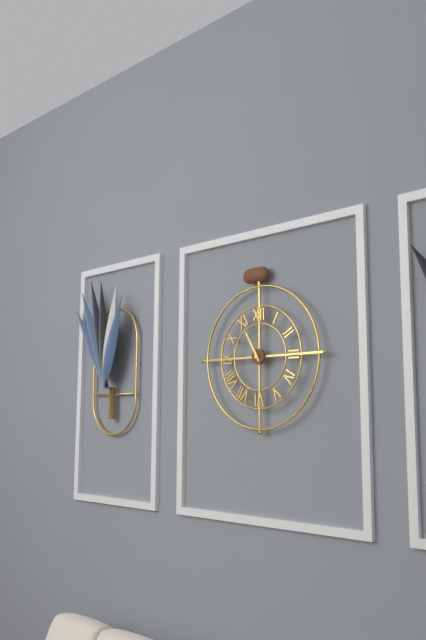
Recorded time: 10:55
